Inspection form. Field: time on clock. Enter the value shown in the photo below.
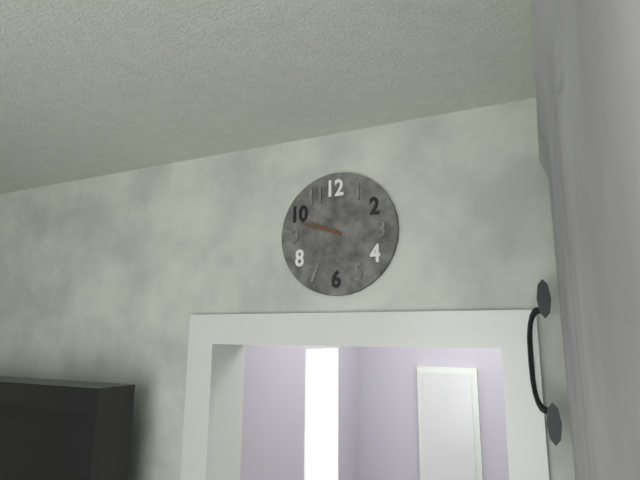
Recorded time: 9:48
